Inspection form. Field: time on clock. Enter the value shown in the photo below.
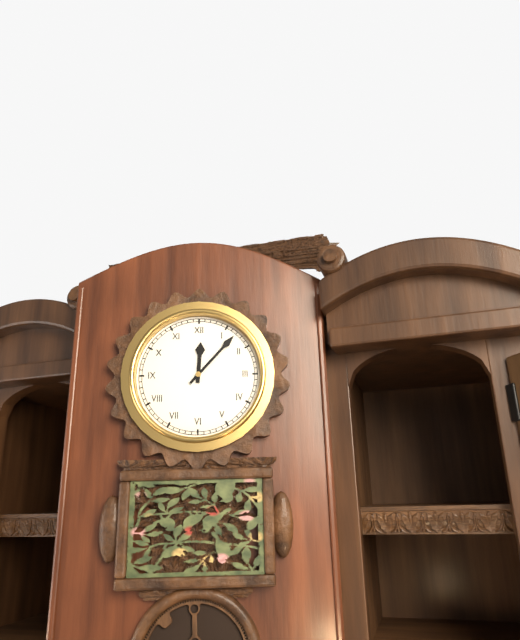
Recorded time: 12:07
